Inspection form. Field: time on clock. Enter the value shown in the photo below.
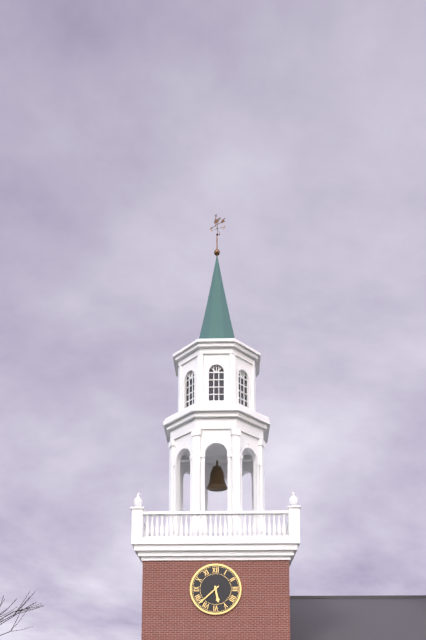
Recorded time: 5:38
